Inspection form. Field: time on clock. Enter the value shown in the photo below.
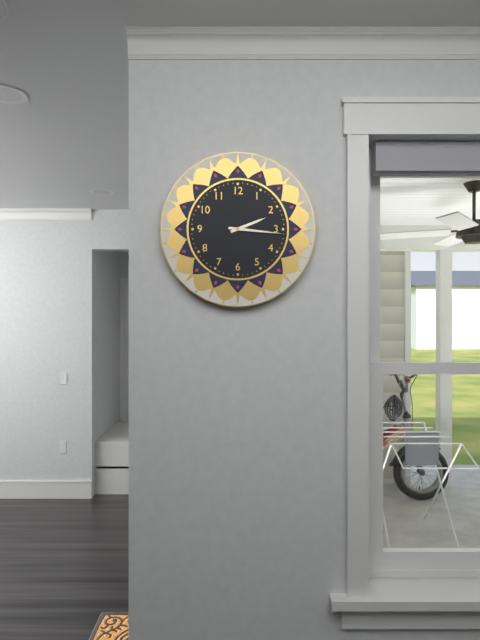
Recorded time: 2:16
